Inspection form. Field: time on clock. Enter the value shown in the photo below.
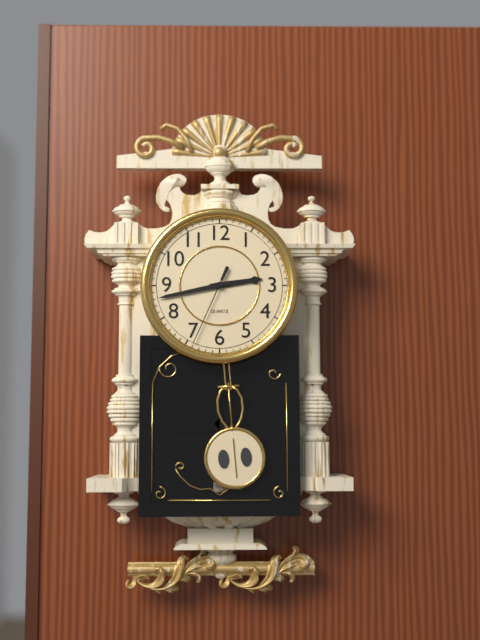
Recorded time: 2:43:34
